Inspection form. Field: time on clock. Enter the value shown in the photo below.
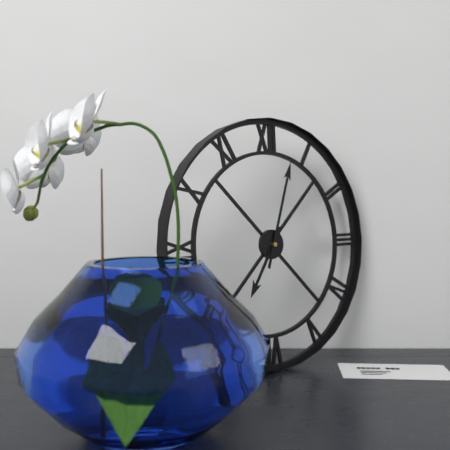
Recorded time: 7:03
